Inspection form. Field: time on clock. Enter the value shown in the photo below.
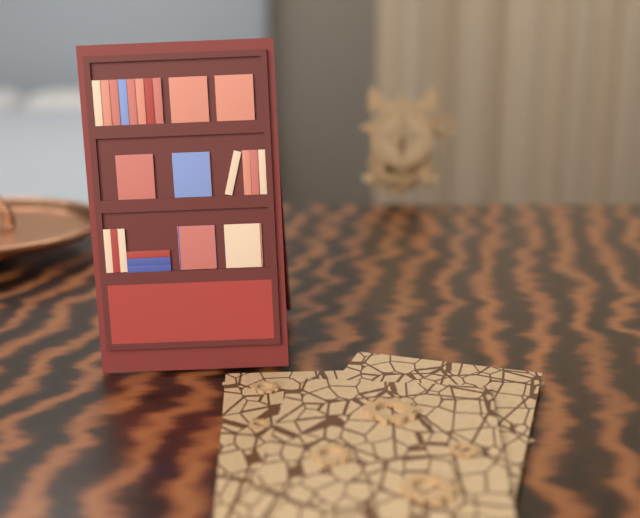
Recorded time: 6:30
